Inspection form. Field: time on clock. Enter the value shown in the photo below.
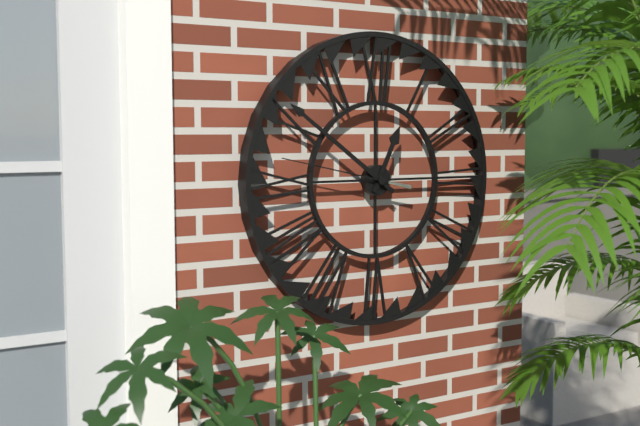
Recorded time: 12:51:47
